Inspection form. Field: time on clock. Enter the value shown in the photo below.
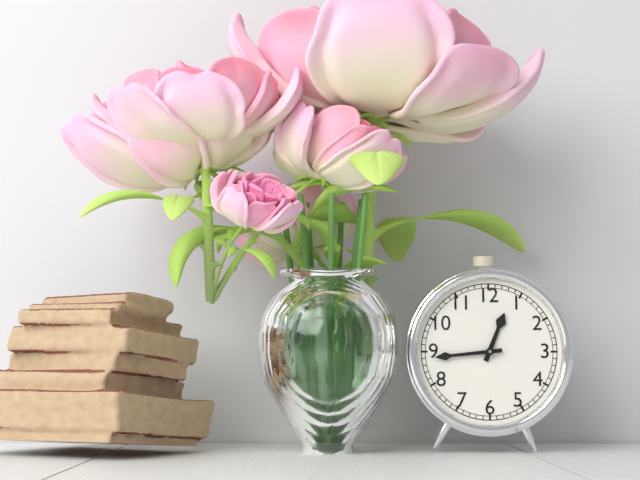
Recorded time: 12:44
